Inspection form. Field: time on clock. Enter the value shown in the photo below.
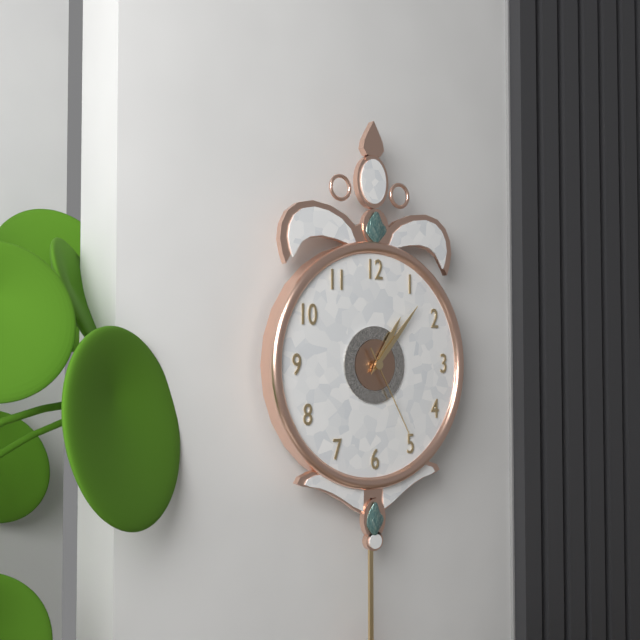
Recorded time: 1:07:25
